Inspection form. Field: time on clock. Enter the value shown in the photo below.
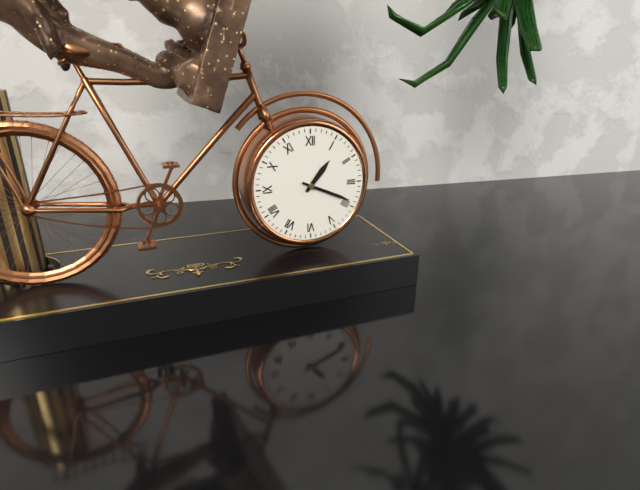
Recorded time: 1:19
